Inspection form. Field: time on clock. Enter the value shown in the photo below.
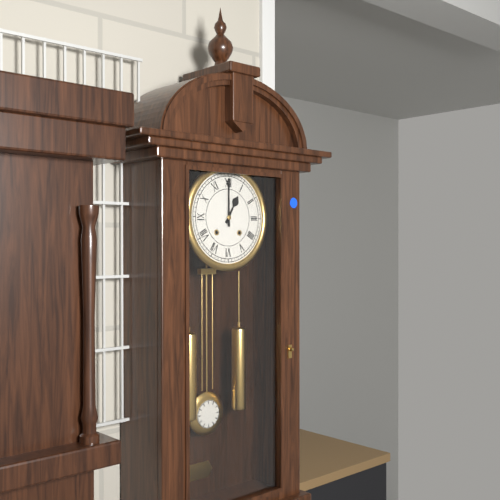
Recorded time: 1:00
